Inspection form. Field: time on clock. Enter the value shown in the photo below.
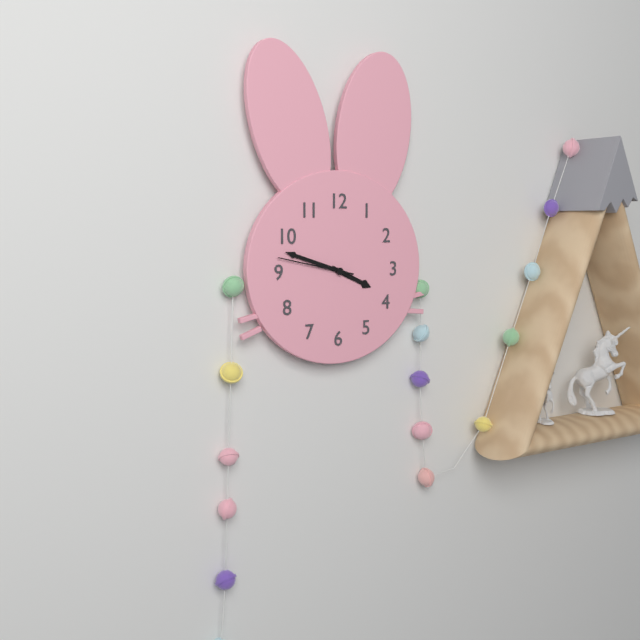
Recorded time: 3:48:47
